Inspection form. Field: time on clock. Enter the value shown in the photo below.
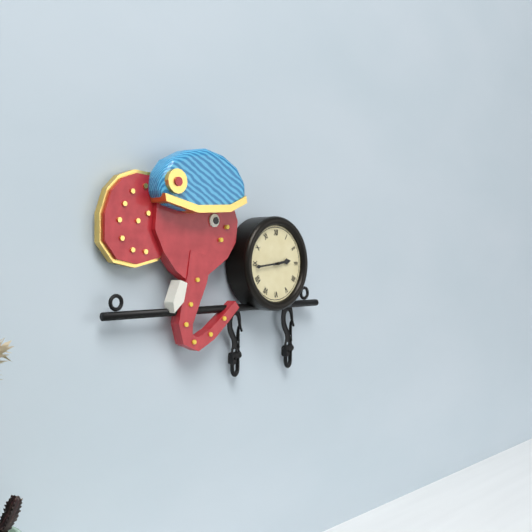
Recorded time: 2:44
